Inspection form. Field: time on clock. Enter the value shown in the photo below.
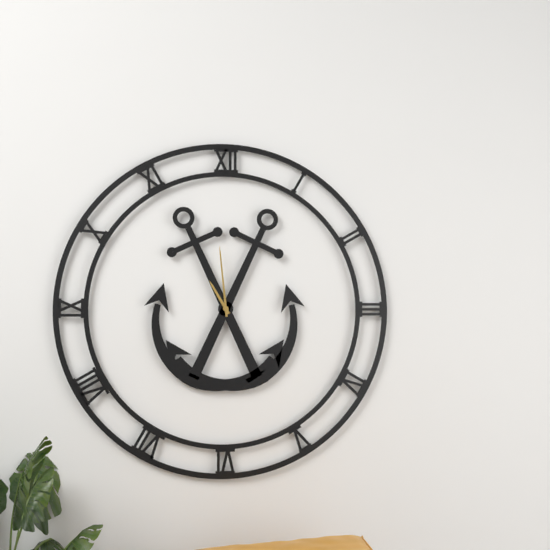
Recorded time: 10:59
